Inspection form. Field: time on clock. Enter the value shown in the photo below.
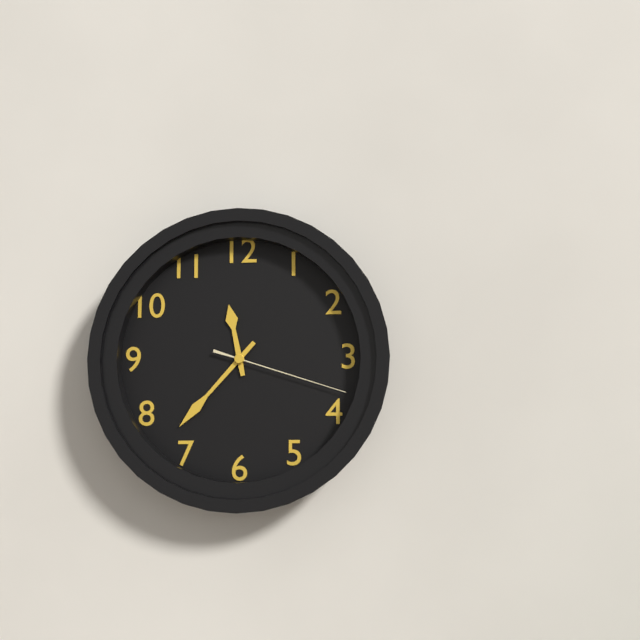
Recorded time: 11:37:18
